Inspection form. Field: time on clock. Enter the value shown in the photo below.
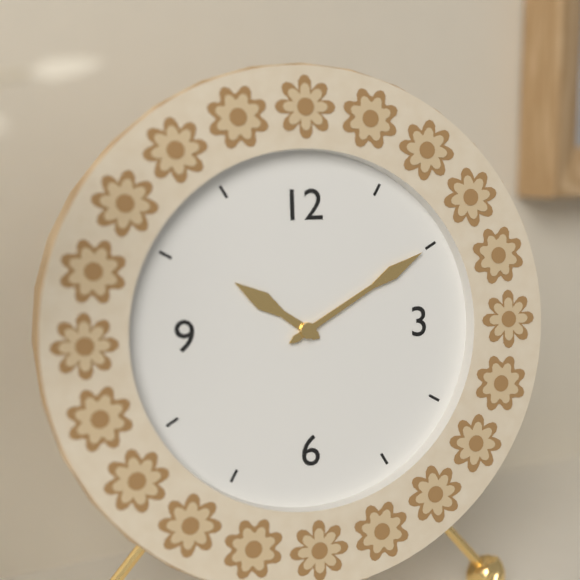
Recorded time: 10:10
